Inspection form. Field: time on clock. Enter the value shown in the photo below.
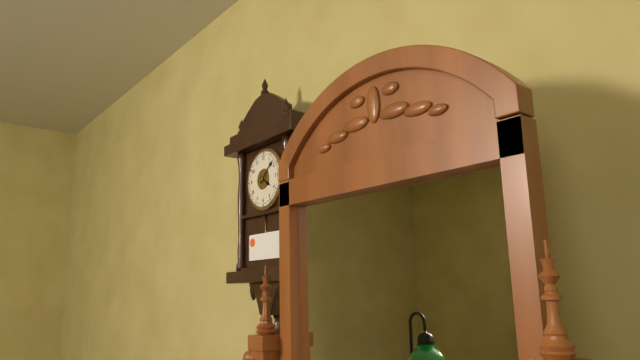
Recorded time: 4:08
